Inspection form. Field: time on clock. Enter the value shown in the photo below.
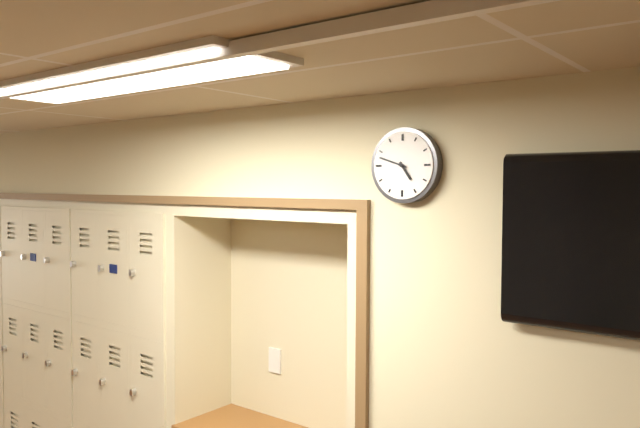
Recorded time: 4:48
